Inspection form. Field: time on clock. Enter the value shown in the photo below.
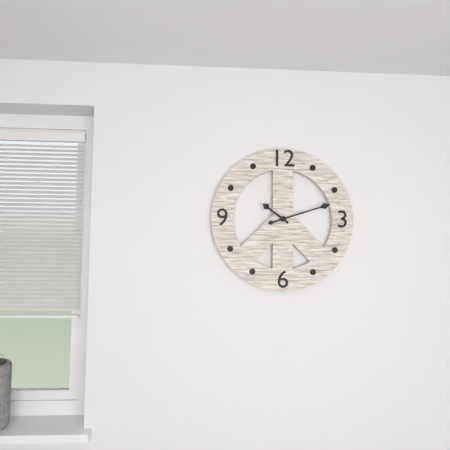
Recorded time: 10:12
